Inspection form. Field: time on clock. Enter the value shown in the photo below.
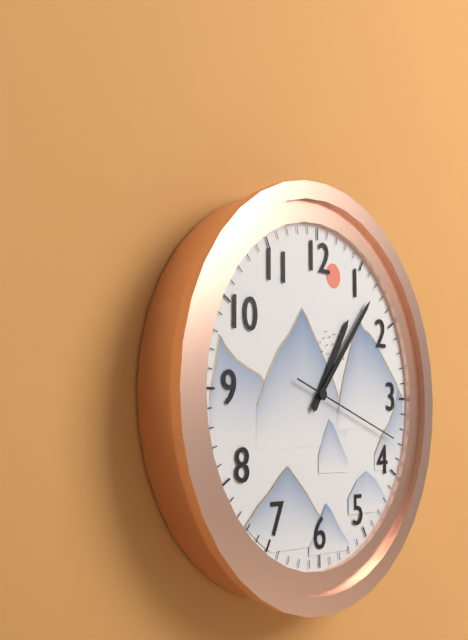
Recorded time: 1:07:18
